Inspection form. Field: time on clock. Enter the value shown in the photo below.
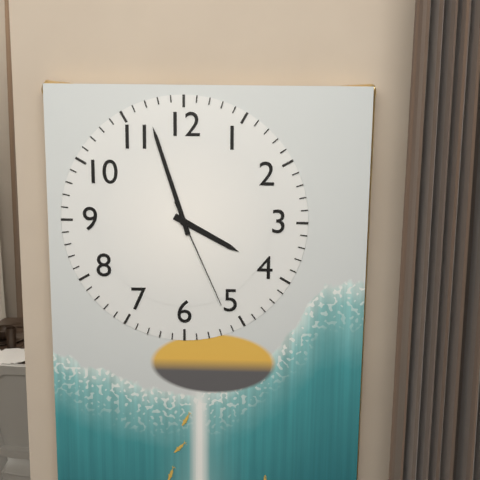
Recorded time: 3:57:26
